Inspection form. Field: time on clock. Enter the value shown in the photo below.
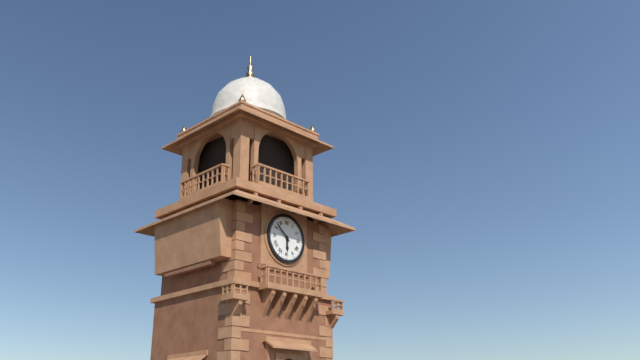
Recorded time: 5:52
